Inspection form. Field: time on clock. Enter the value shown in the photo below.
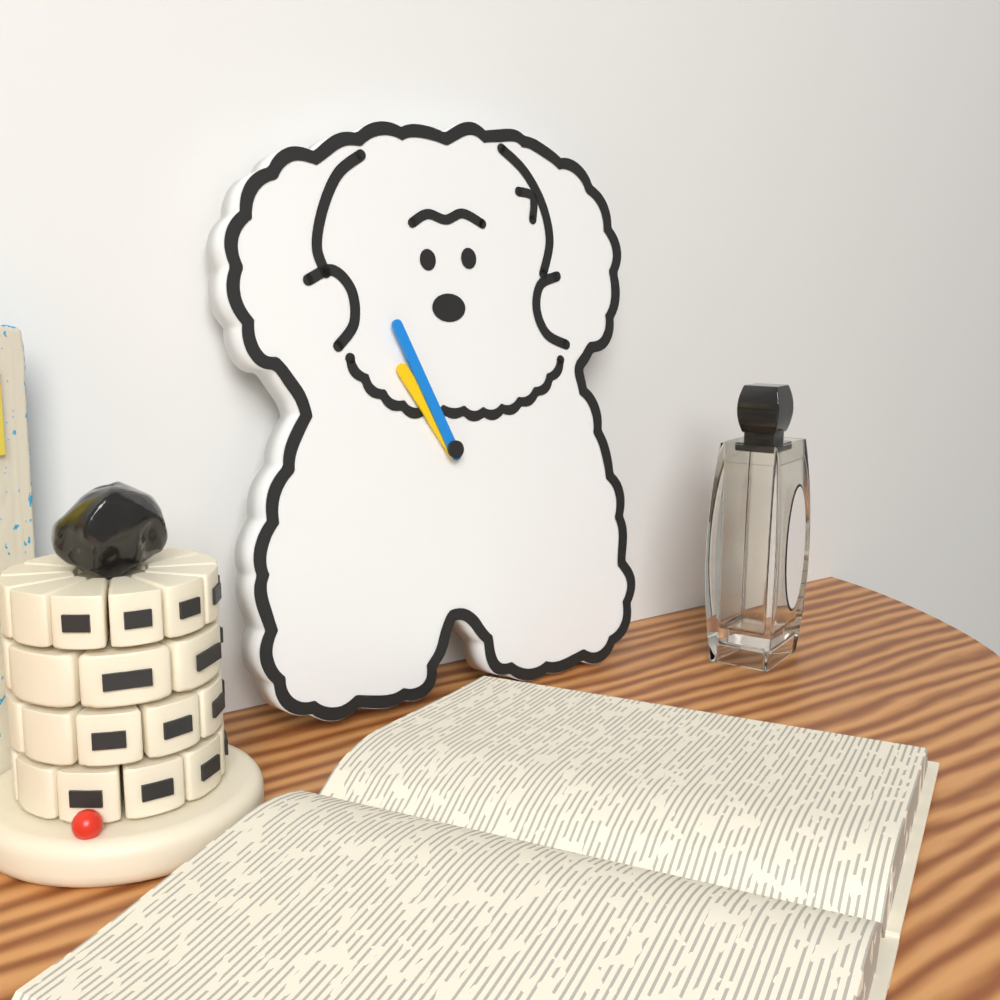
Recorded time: 10:56
